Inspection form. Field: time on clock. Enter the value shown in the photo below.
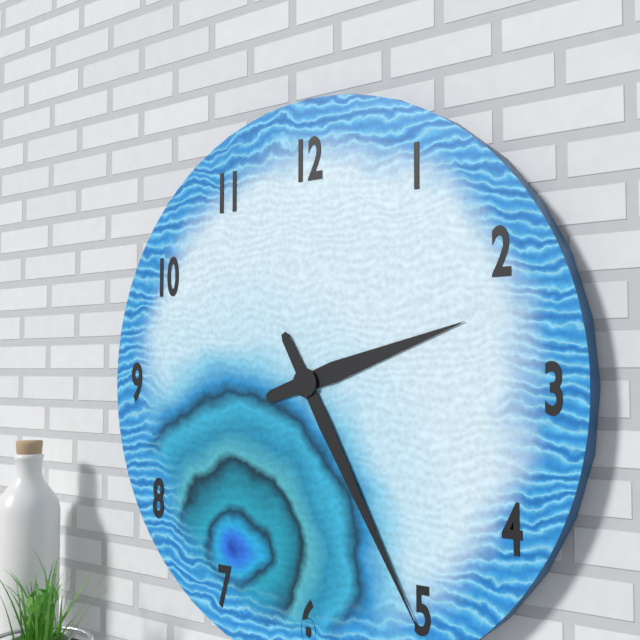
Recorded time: 2:25
